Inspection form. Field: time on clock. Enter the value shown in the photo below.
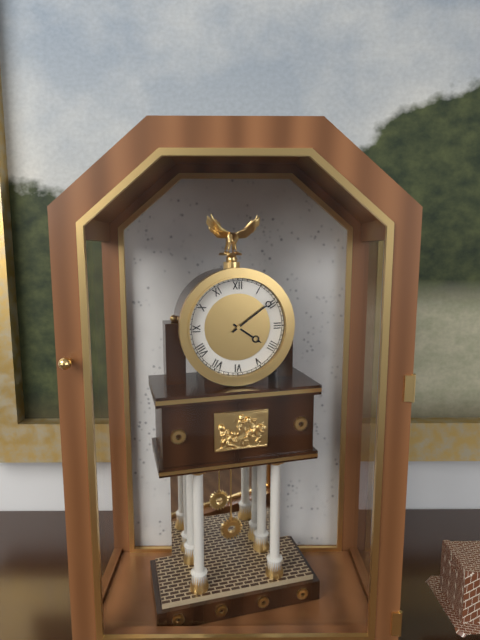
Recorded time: 4:09
